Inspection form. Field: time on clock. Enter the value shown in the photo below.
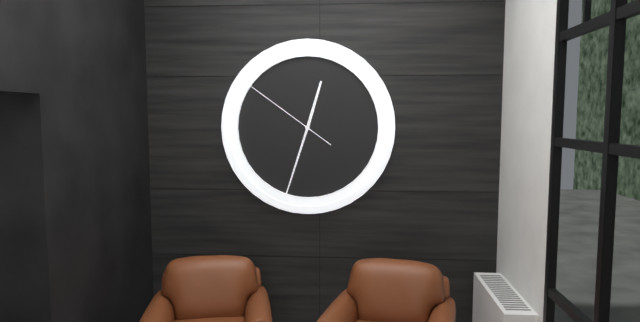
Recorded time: 12:33:51
